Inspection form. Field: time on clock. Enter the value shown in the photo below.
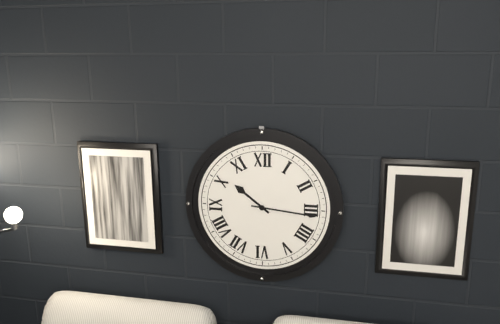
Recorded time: 10:16
